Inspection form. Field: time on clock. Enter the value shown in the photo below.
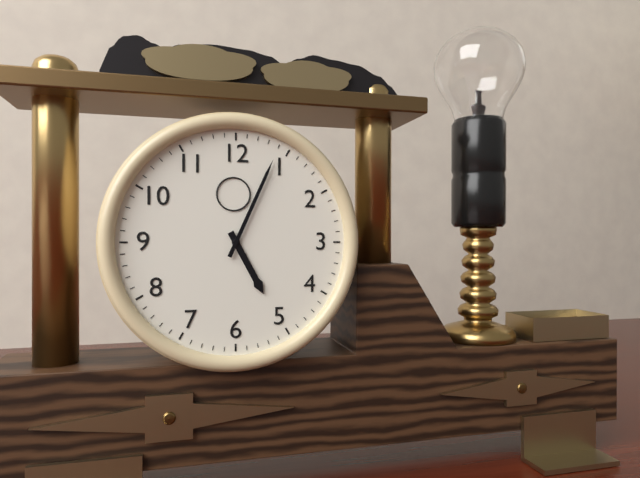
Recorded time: 5:04
